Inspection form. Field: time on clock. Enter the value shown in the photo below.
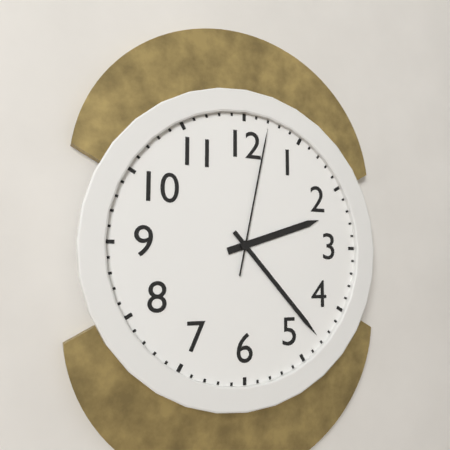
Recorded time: 2:23:02
